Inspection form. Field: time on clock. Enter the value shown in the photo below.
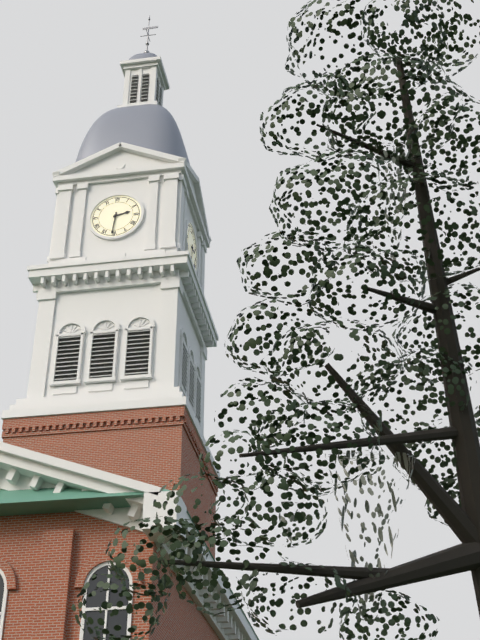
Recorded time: 2:31
